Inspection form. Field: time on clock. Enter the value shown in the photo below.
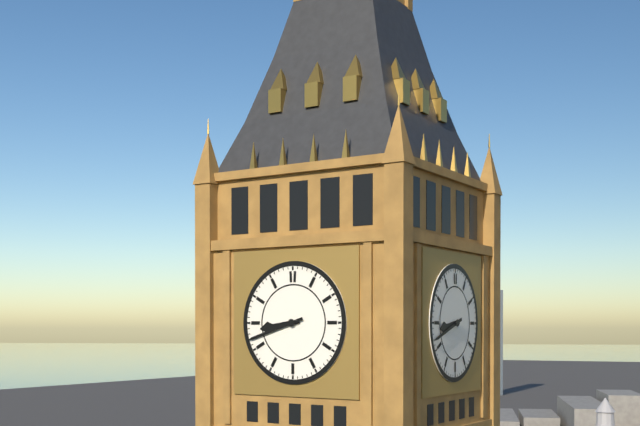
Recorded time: 8:42
